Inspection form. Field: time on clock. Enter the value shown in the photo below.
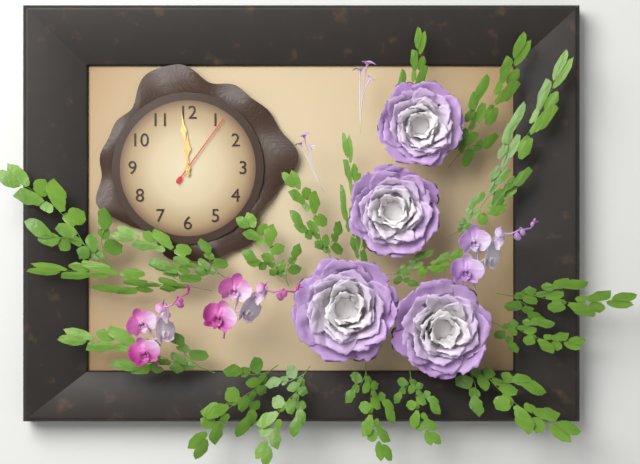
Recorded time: 11:59:06
